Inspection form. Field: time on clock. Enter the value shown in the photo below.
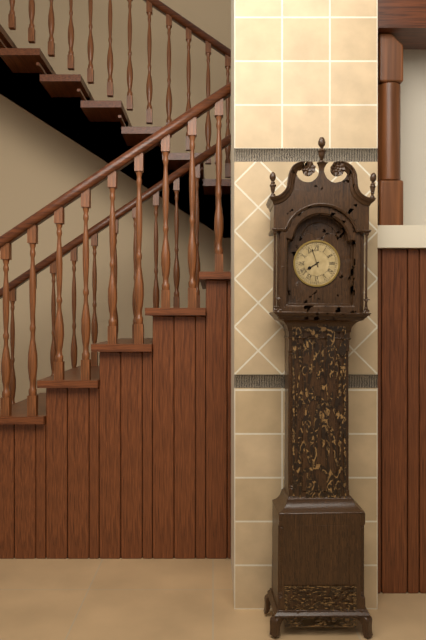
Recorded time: 7:57
